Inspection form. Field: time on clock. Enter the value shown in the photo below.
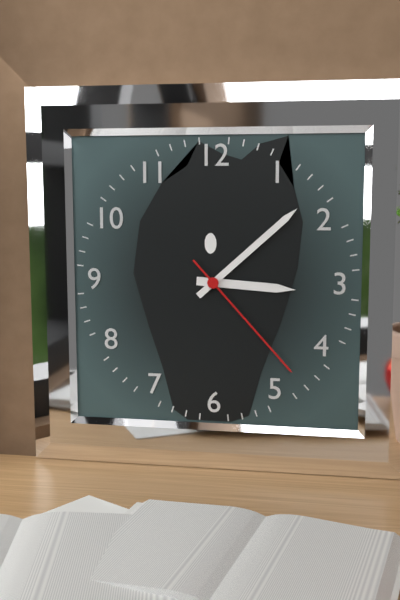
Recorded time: 3:08:23
